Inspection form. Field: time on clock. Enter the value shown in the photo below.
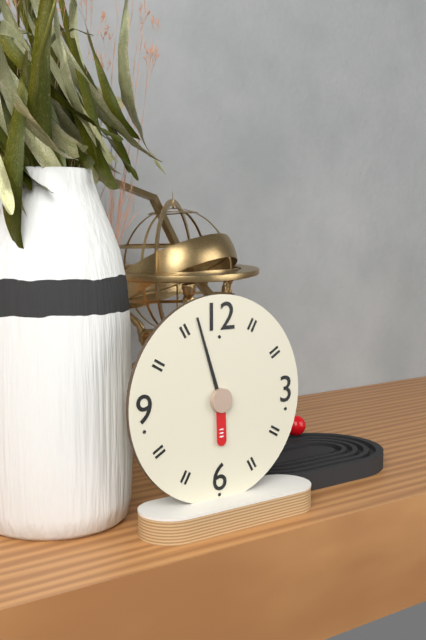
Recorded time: 5:57
